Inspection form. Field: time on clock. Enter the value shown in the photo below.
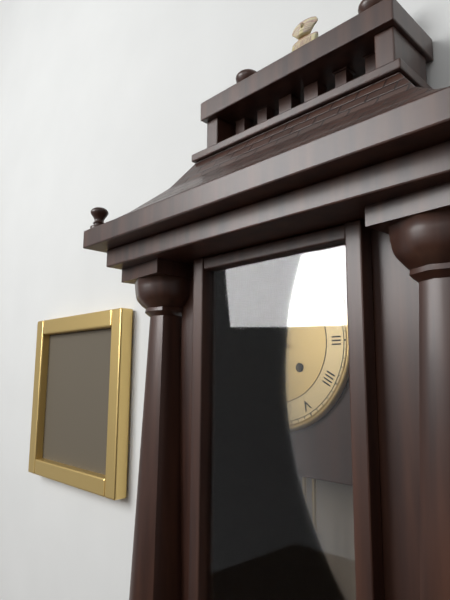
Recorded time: 9:32
